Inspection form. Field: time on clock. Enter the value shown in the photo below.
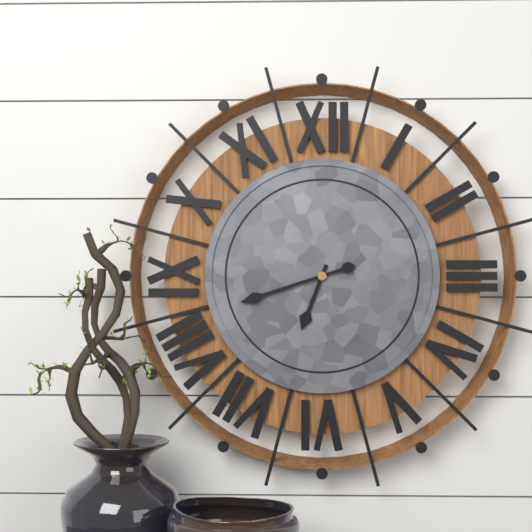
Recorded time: 6:42
